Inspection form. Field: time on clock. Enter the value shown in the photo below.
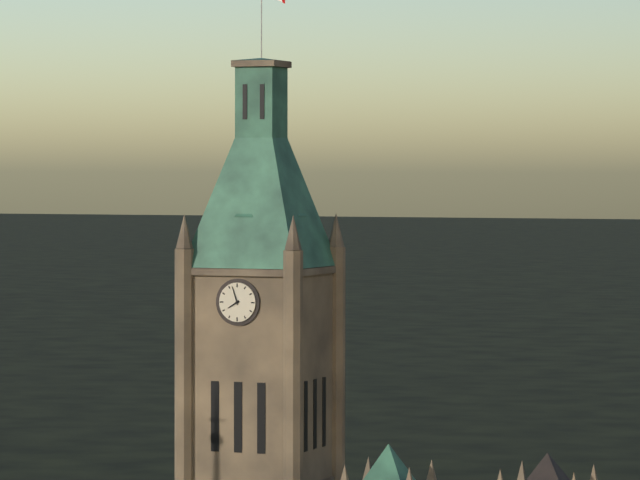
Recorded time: 7:57
